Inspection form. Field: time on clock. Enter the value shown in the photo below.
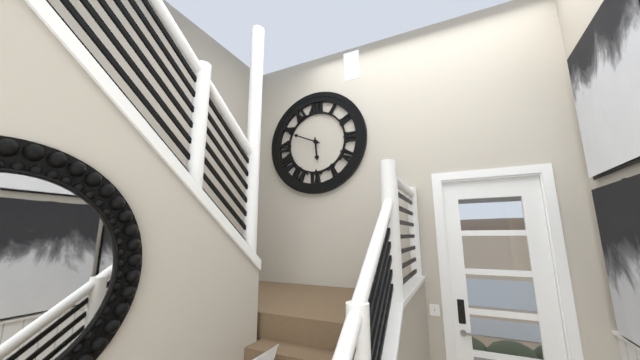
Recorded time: 5:49
